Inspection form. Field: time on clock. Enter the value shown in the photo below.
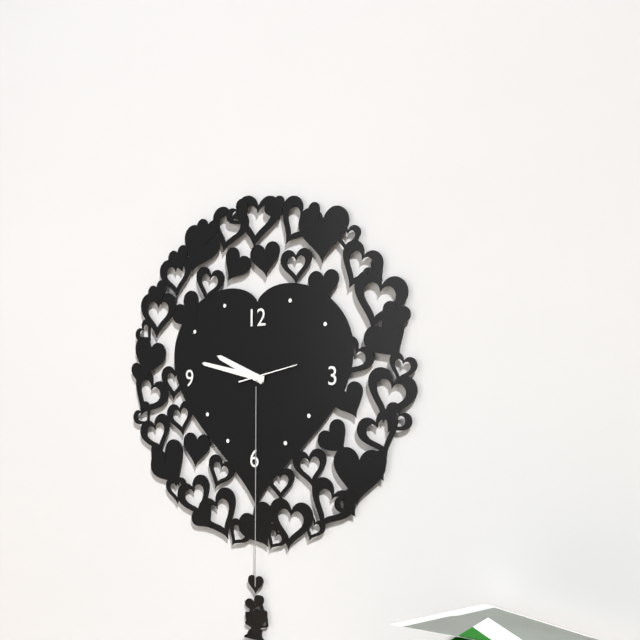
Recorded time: 9:47:13
